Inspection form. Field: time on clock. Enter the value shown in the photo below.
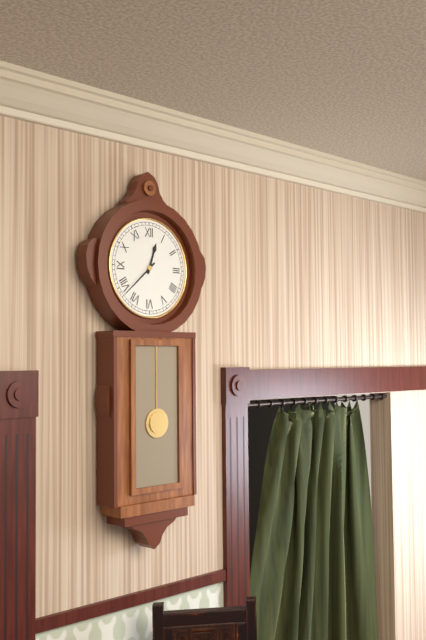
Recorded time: 12:38
